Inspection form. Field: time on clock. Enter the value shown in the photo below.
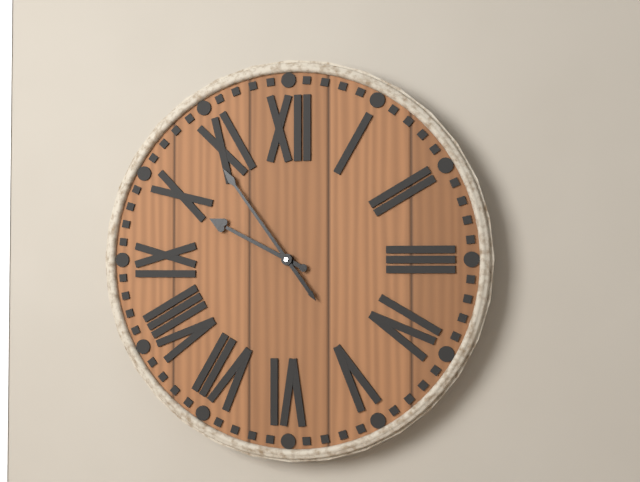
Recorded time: 9:54
